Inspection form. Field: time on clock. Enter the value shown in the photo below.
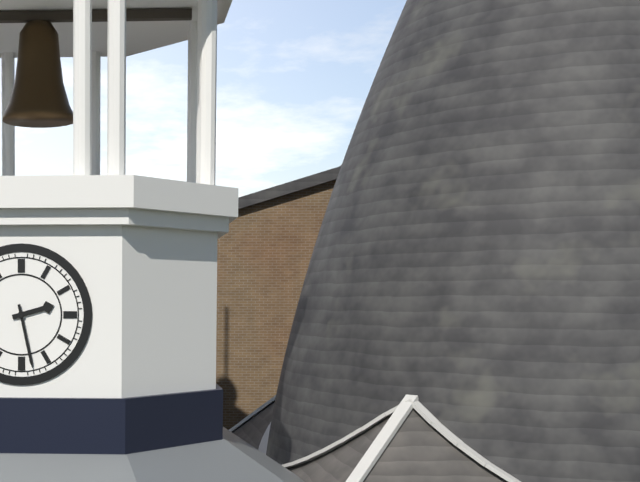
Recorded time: 2:28
